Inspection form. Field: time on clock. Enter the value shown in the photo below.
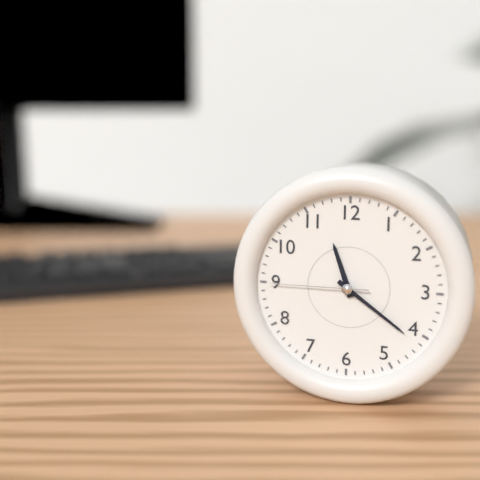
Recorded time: 11:21:45
